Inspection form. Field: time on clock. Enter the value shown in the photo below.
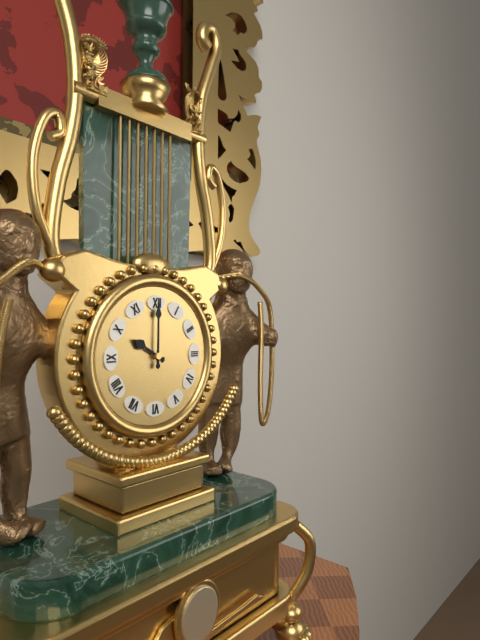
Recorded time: 10:00
